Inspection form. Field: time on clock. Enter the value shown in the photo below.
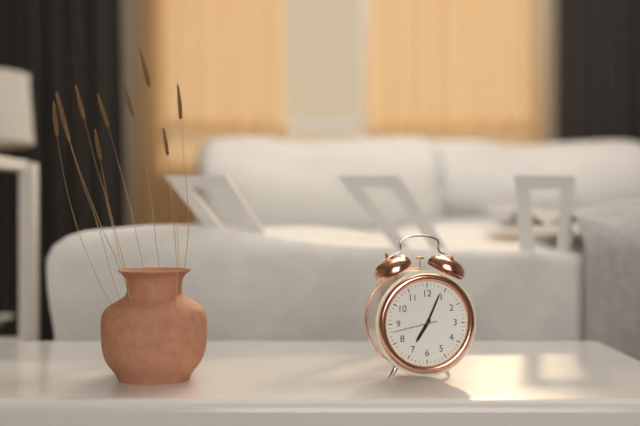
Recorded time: 7:04
